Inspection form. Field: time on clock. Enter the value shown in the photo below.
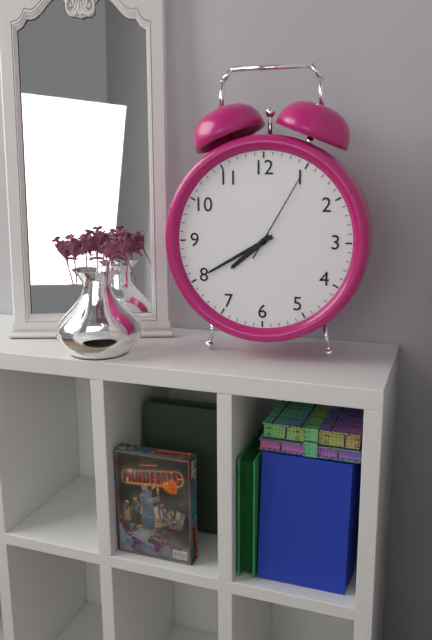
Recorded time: 7:40:05
